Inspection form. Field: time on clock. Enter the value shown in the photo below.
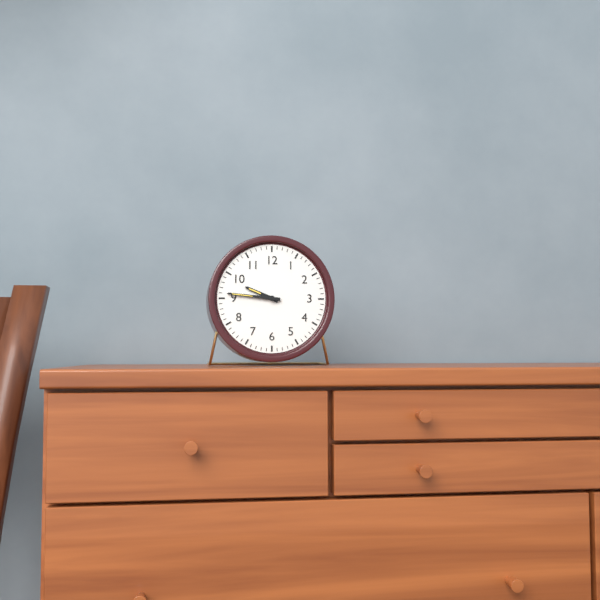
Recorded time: 9:46
